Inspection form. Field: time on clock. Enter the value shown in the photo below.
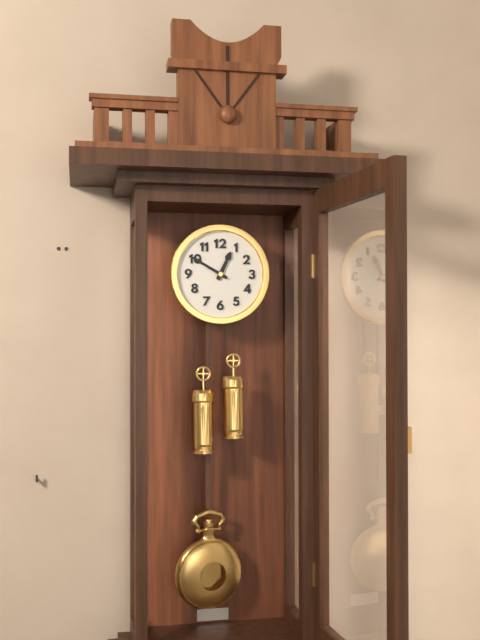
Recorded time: 12:50
